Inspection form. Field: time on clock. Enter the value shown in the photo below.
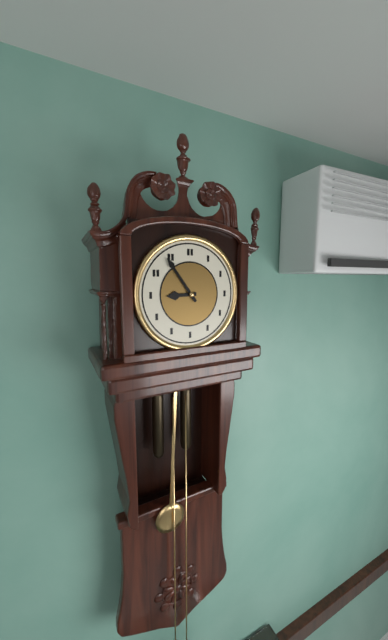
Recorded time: 8:54
